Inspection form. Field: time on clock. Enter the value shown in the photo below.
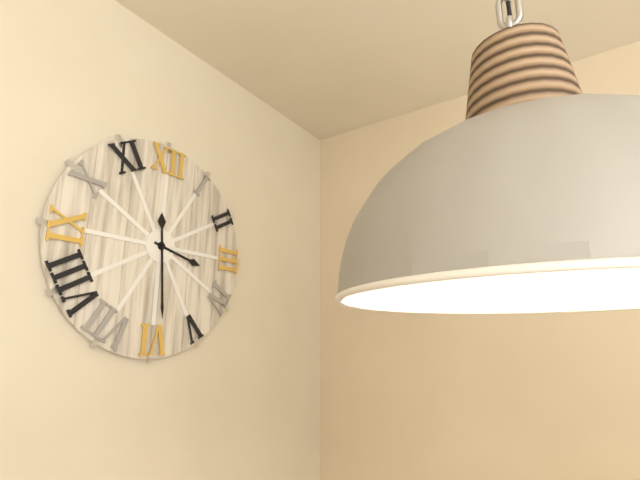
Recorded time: 3:29
